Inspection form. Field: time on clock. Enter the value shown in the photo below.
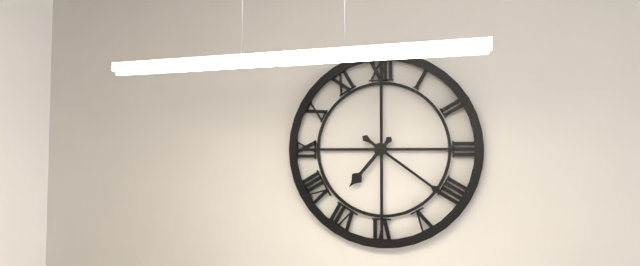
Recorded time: 7:21
